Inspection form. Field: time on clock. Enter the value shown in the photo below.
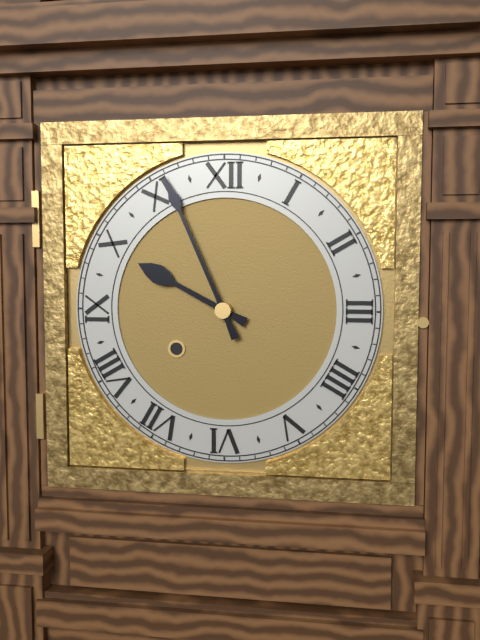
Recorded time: 9:56
